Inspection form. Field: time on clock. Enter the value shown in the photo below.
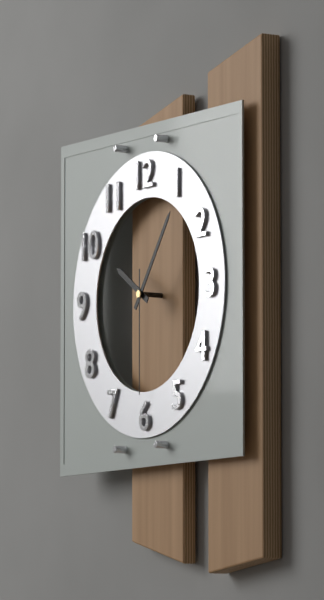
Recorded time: 10:06:30
